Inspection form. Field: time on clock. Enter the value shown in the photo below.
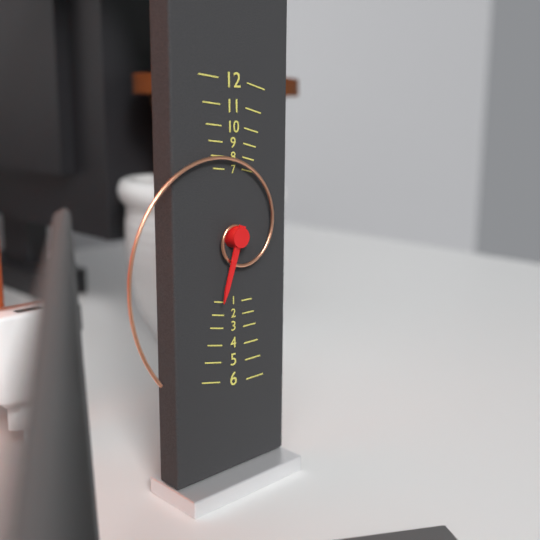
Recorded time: 6:36
